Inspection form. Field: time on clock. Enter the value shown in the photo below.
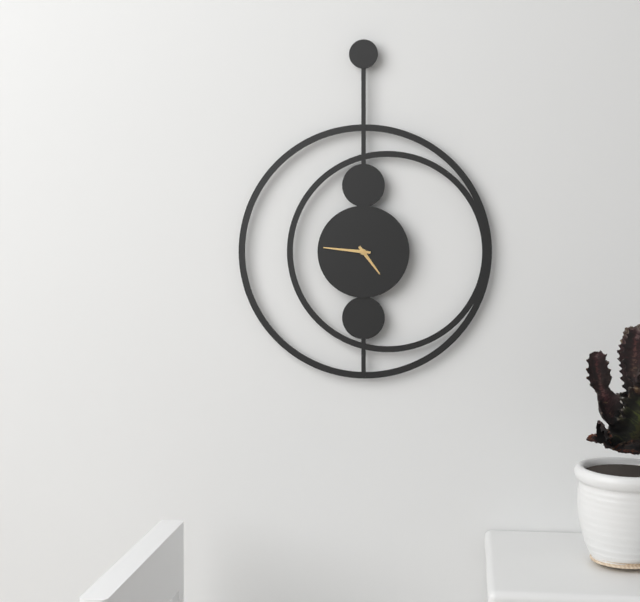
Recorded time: 4:46
